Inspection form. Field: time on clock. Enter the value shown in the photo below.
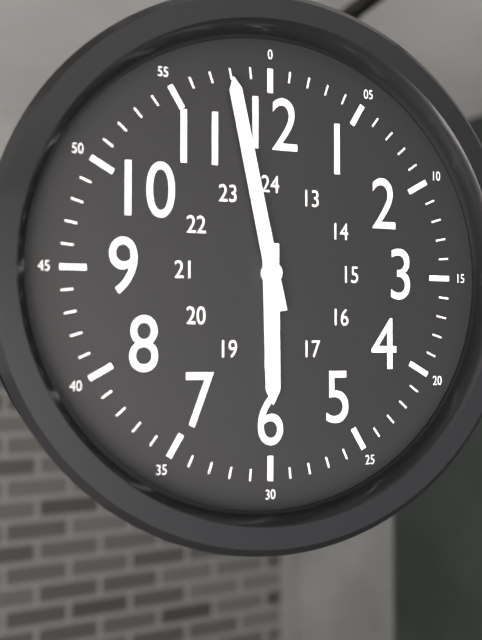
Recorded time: 5:58
